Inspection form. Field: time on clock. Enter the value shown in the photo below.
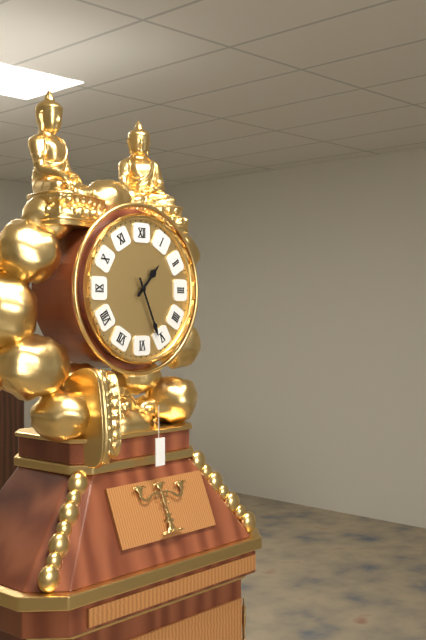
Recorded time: 1:26
